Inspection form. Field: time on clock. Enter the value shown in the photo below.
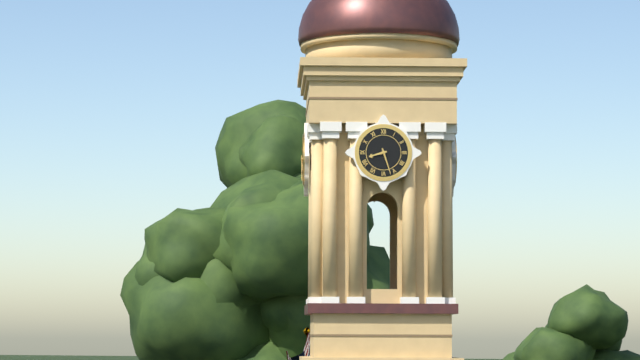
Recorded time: 8:27
